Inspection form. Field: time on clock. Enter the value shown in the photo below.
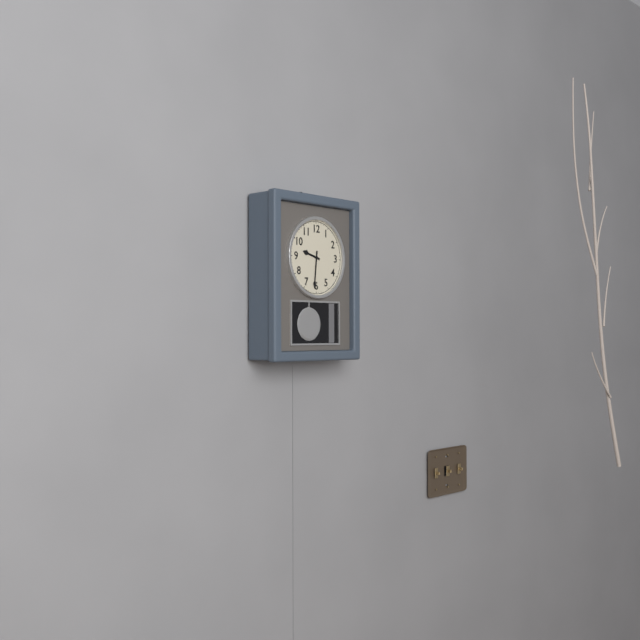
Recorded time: 9:31
